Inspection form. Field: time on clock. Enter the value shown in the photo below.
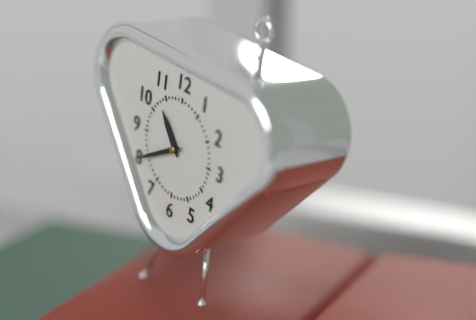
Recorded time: 10:40
